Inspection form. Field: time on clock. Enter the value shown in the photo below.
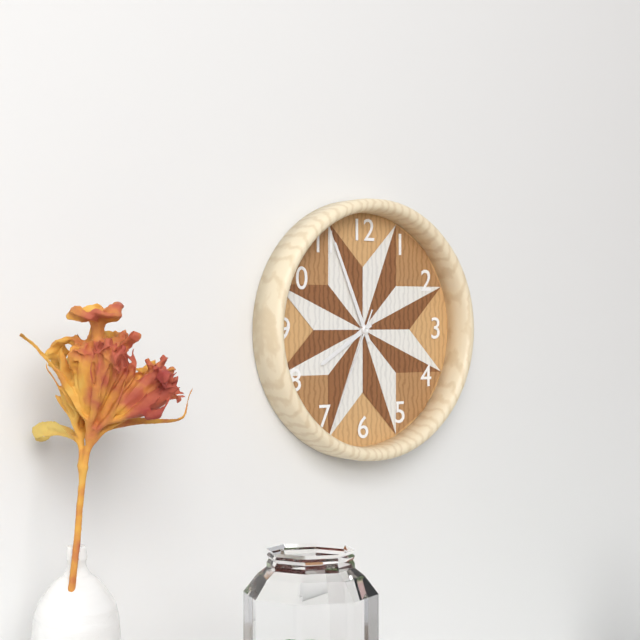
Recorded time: 7:56:34
